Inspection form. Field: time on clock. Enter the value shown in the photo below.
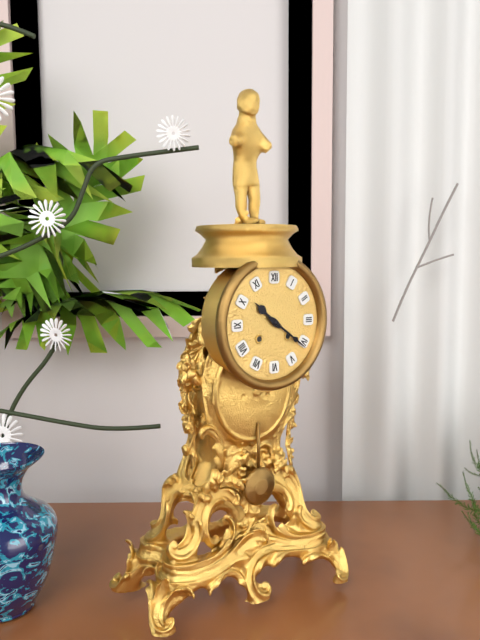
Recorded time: 10:21
